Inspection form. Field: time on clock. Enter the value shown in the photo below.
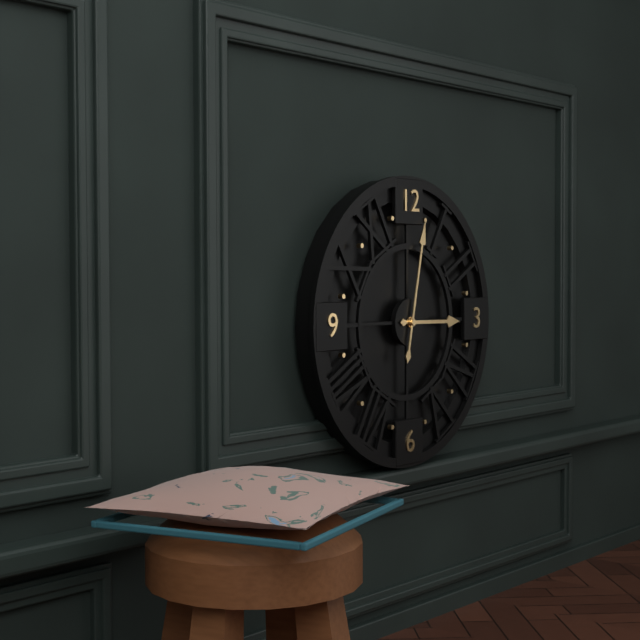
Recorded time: 3:02
